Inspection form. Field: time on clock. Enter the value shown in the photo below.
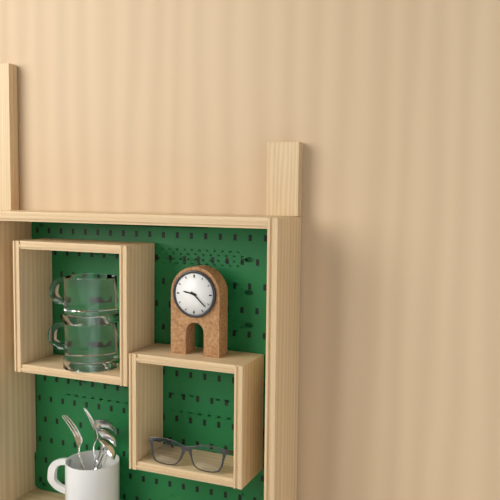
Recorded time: 9:22
